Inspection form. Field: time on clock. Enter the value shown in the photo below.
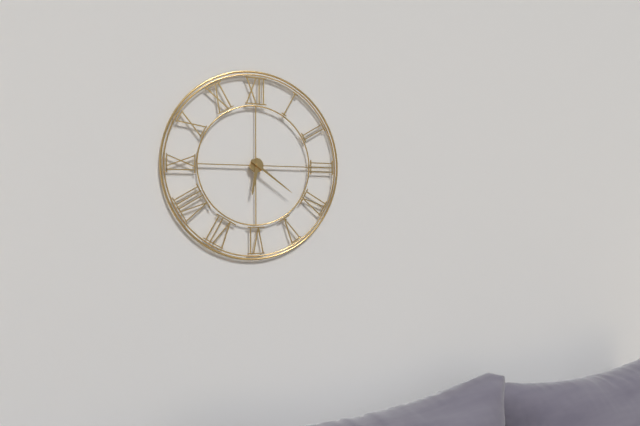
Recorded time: 6:21
